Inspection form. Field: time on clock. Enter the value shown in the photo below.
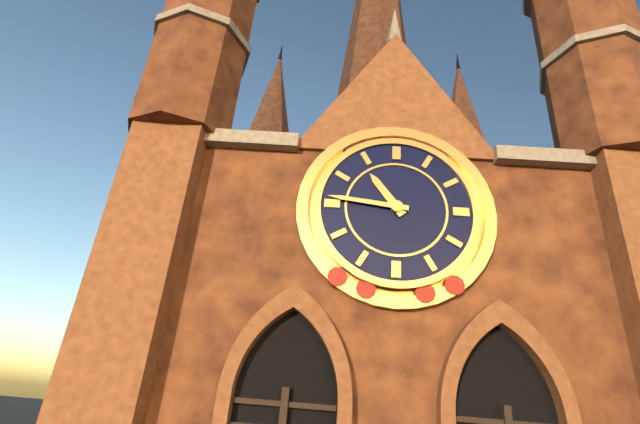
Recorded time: 10:46
